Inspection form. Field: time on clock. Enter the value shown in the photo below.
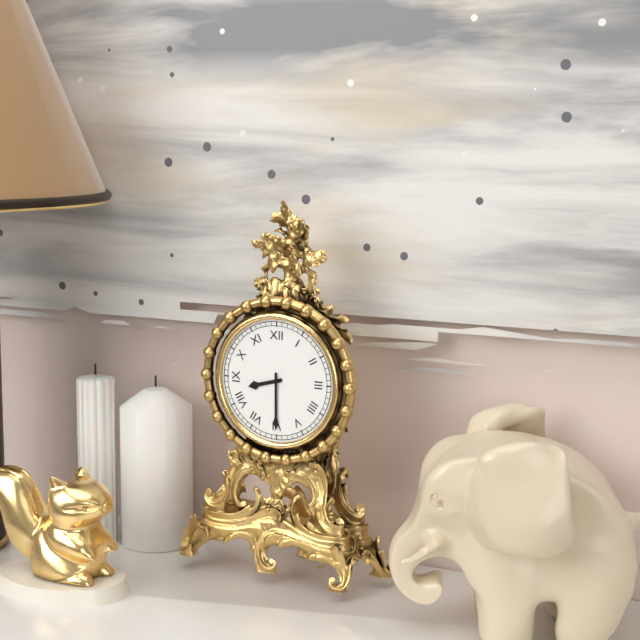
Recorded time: 8:30
